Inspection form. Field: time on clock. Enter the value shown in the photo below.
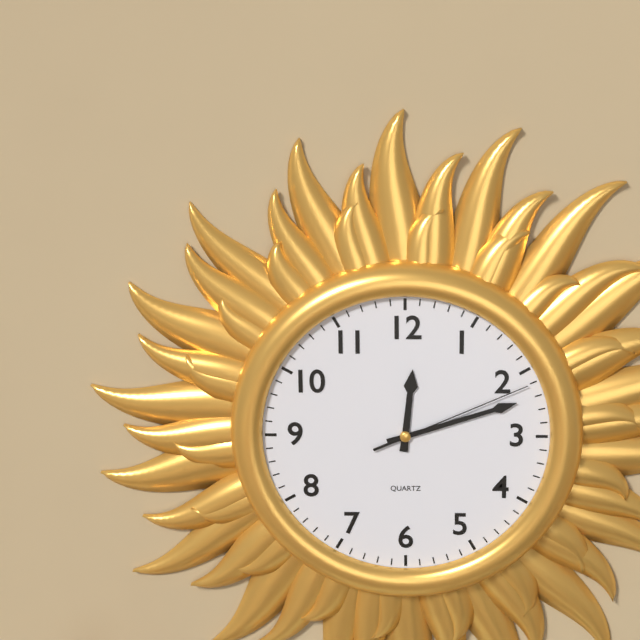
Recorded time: 12:12:11
